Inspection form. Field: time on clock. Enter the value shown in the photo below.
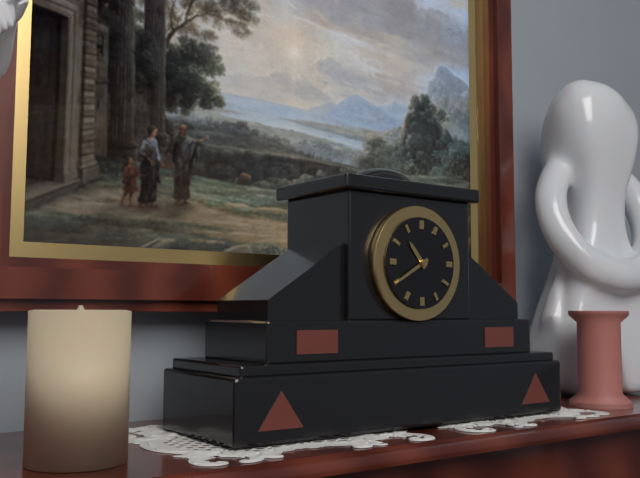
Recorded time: 10:40
